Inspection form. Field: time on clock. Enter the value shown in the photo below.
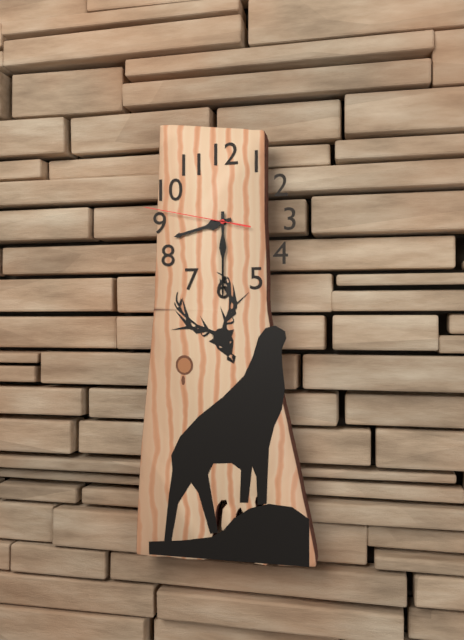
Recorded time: 8:30:47
